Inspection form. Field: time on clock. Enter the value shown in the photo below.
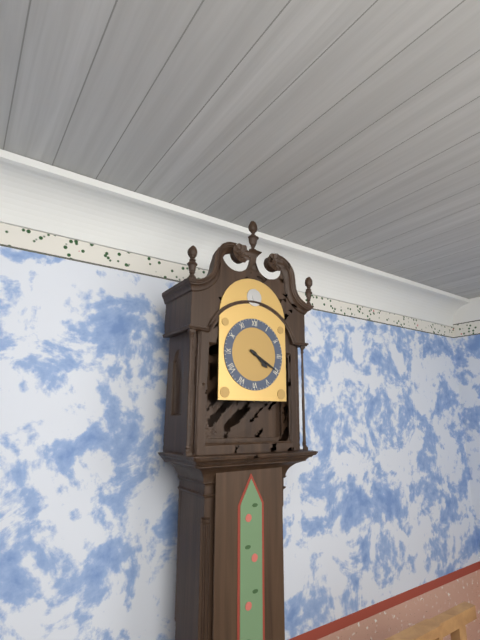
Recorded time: 4:20
